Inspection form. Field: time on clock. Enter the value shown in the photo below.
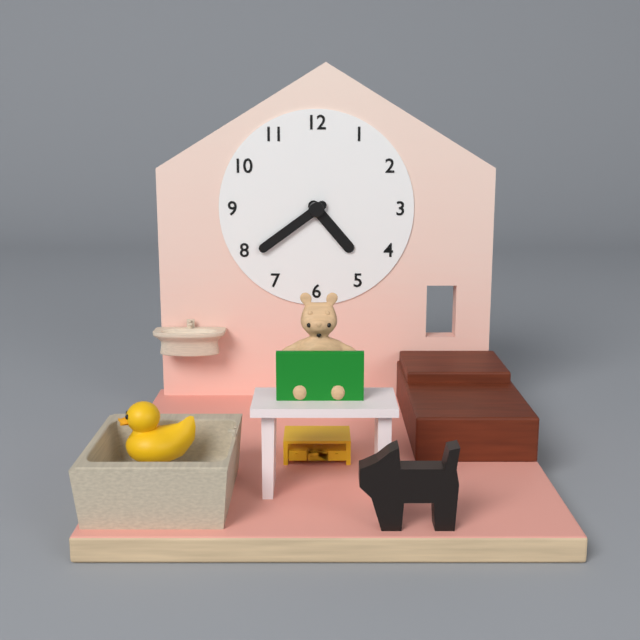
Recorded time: 4:39
